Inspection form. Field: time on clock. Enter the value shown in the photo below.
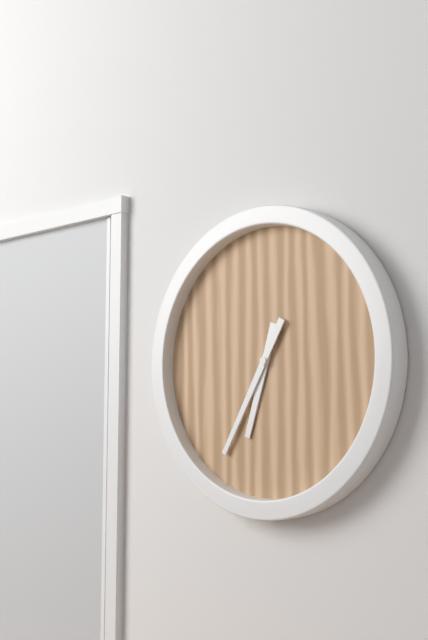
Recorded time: 6:35
